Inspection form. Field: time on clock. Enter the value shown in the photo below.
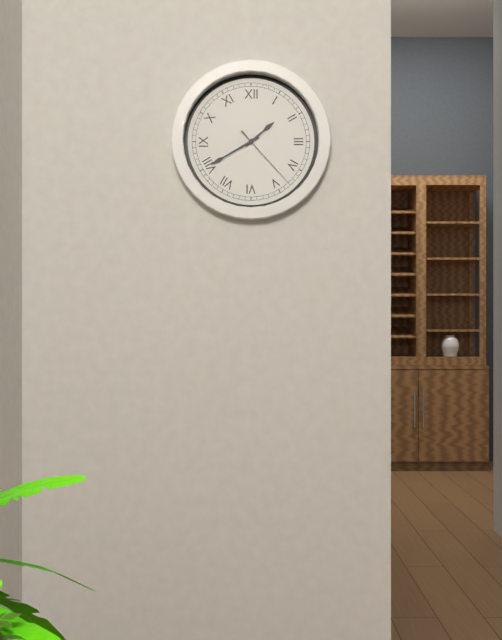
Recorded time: 1:40:23
